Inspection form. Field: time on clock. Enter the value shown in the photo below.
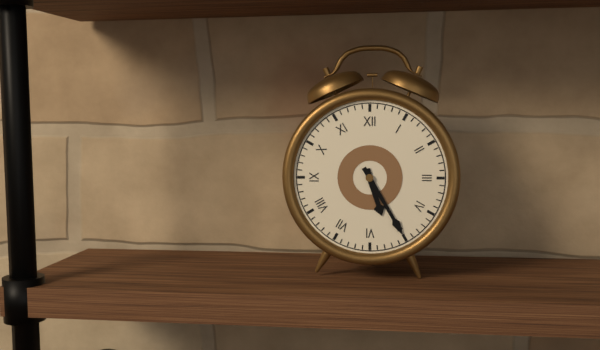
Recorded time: 5:25
